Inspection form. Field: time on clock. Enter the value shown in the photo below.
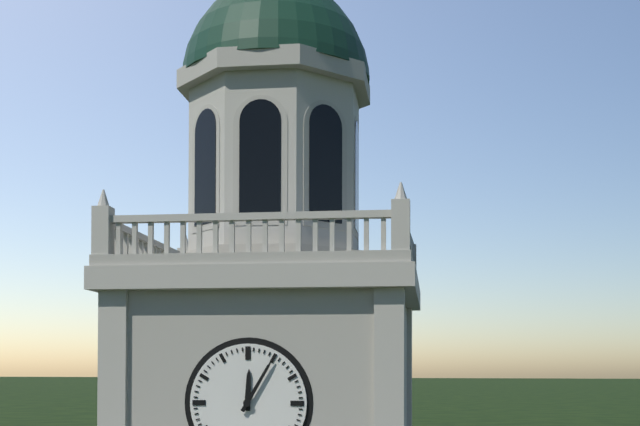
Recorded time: 12:05
